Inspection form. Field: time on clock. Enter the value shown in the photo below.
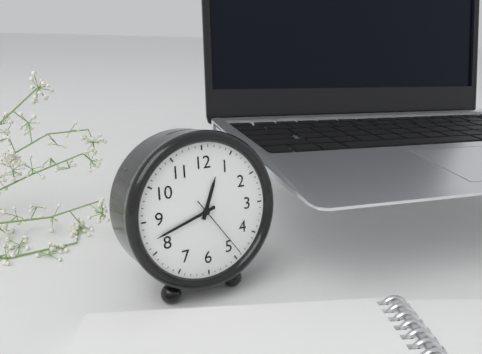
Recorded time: 12:42:24
